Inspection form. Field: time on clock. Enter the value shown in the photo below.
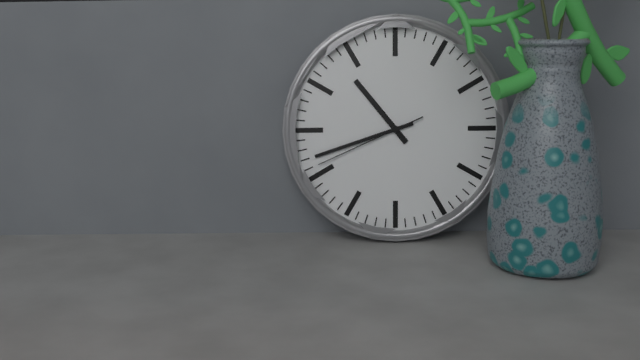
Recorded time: 10:42:41
